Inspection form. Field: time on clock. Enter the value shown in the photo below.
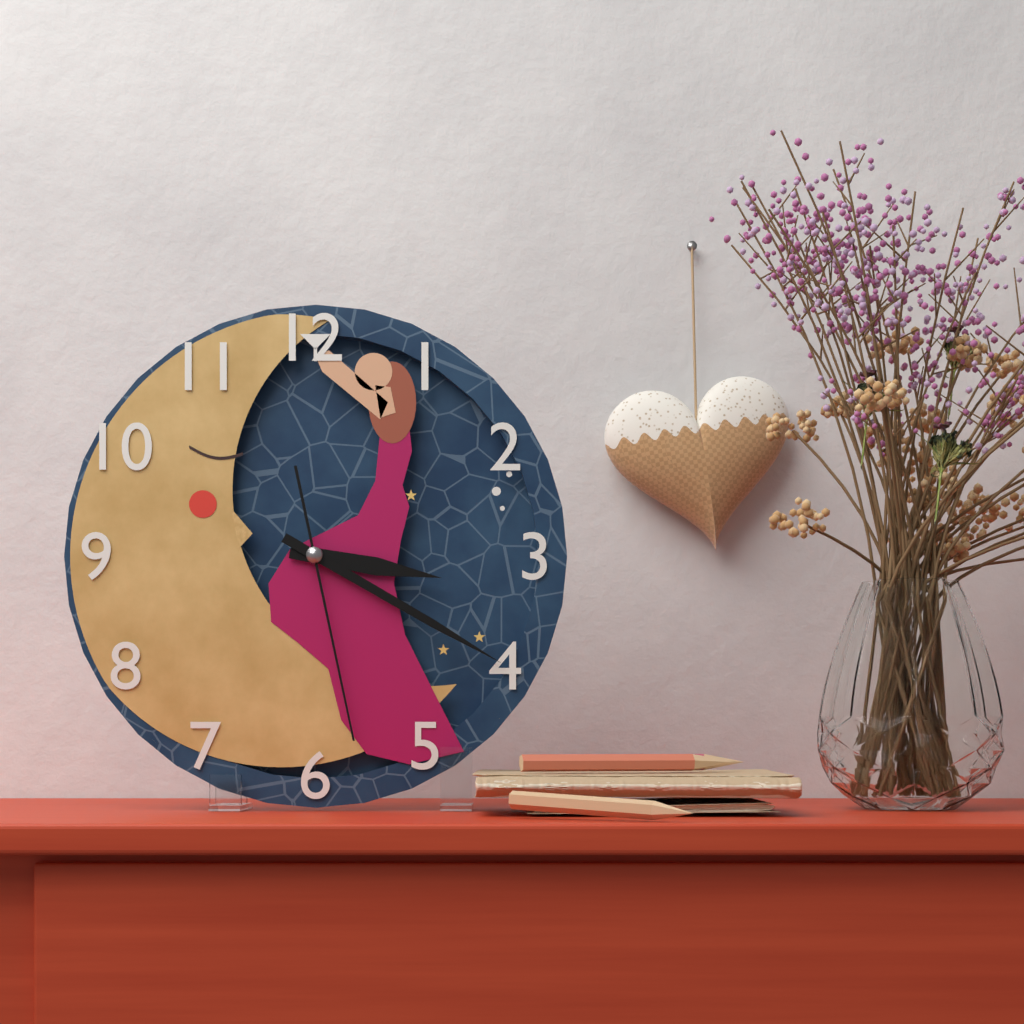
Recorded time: 3:20:28
